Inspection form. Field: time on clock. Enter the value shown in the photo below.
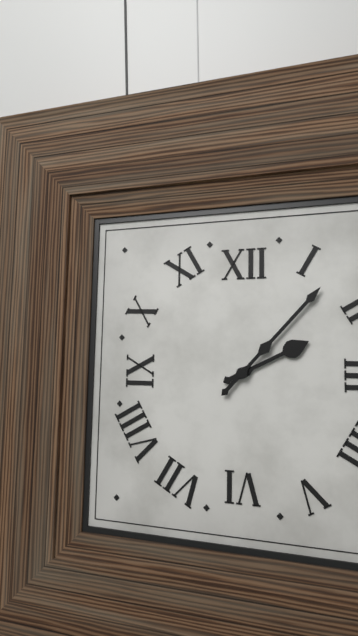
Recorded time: 2:07
